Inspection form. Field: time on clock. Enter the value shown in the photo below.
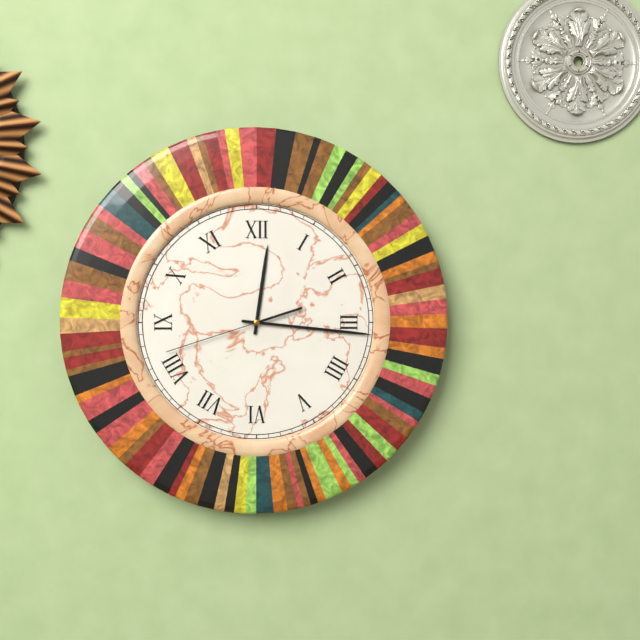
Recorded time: 12:16:42
